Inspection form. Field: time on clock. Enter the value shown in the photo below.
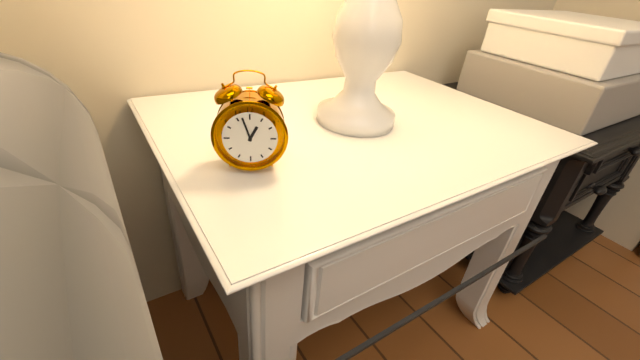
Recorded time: 12:57
